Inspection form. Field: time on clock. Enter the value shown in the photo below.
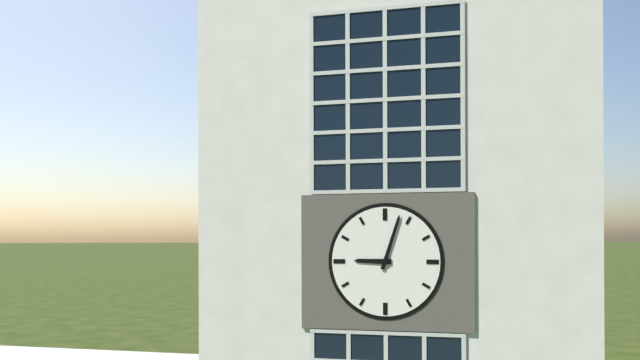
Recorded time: 9:03
